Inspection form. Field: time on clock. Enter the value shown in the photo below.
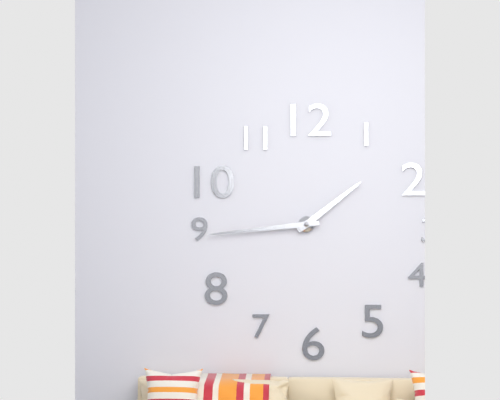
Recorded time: 1:44
